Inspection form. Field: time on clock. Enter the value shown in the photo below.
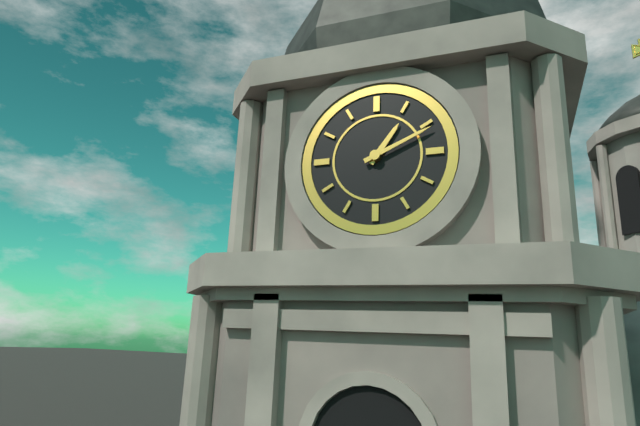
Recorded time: 1:11
